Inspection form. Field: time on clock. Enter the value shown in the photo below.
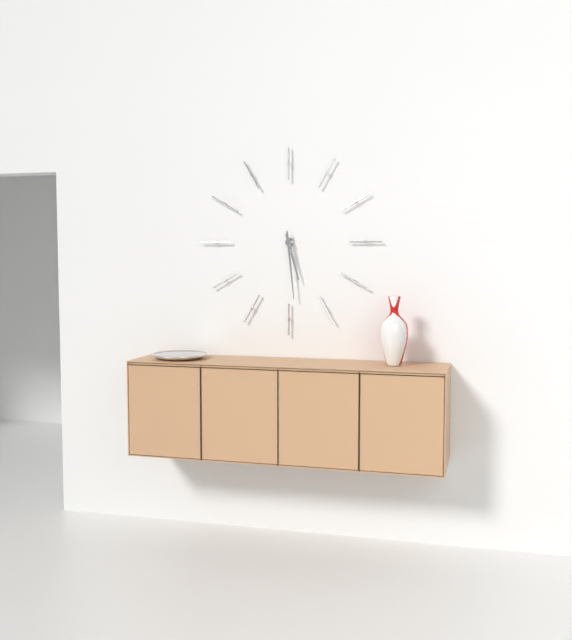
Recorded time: 5:29
